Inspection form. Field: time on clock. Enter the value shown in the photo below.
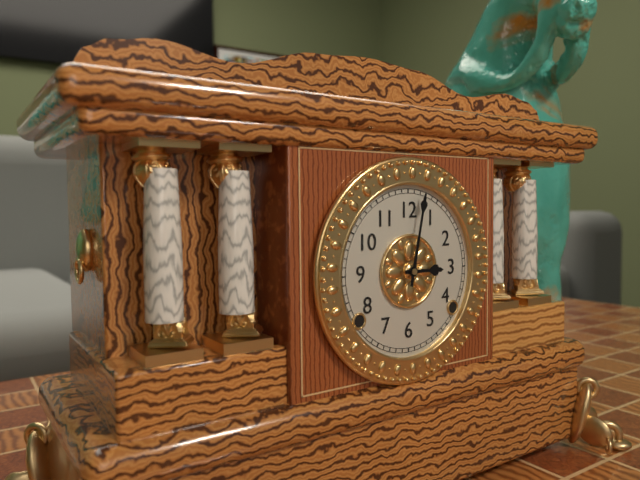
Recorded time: 3:02
